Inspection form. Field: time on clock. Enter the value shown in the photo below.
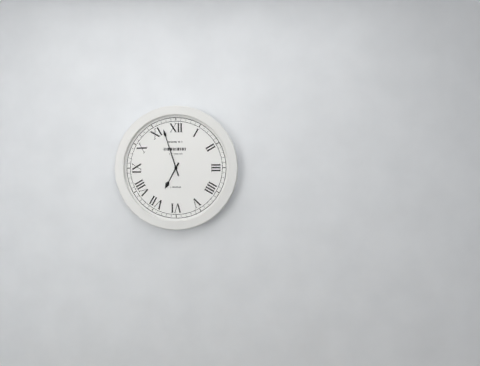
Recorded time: 6:57
